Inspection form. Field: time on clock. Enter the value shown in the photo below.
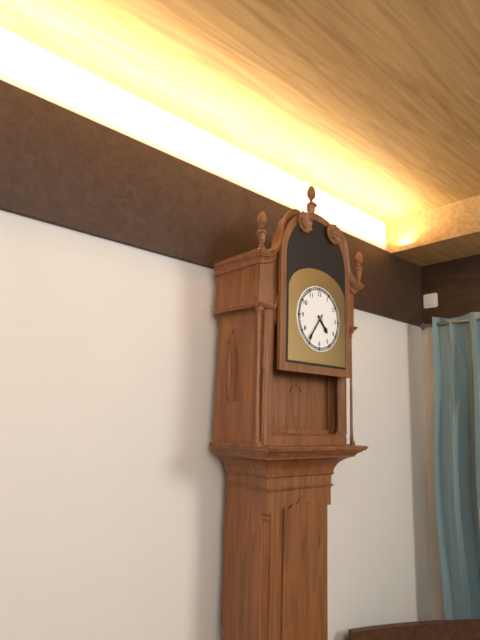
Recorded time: 4:36
